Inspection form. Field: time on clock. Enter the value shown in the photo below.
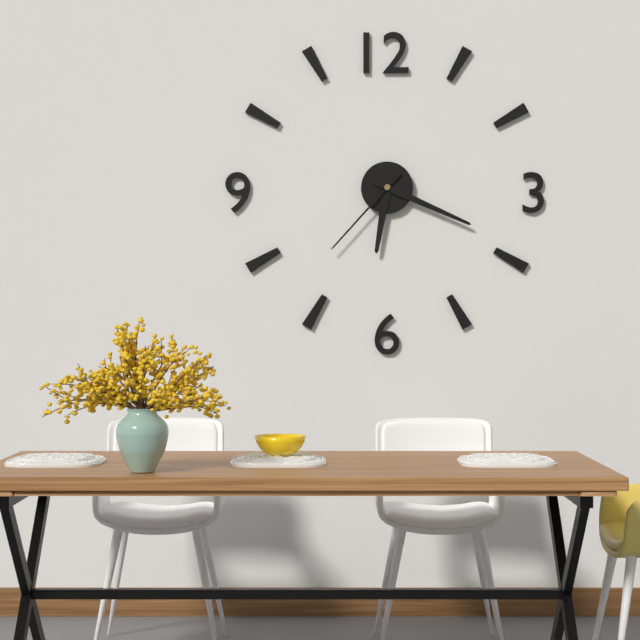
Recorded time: 6:19:37
